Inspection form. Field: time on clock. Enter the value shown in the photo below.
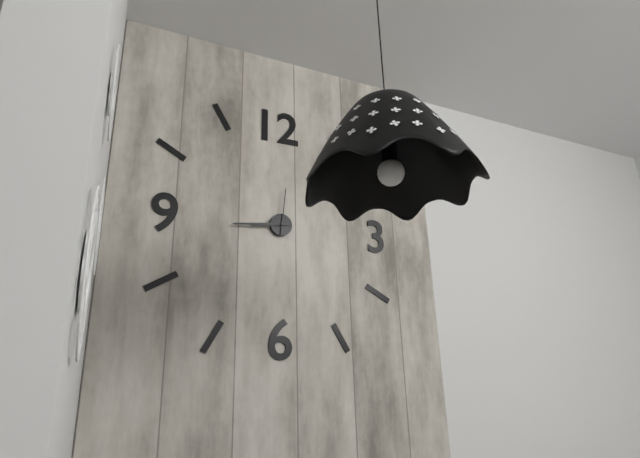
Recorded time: 8:44
